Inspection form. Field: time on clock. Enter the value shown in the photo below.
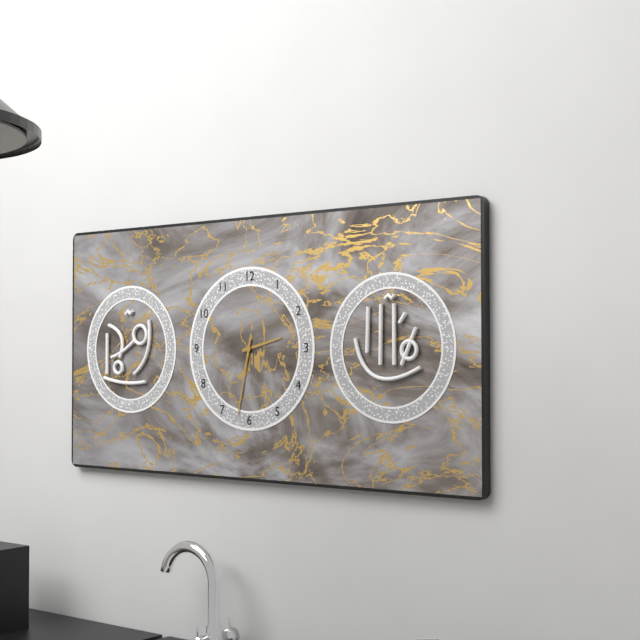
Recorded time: 2:32
